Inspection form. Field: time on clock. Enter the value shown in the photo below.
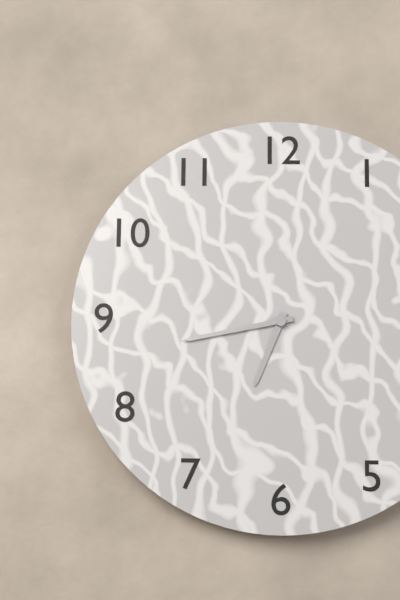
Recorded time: 6:43
